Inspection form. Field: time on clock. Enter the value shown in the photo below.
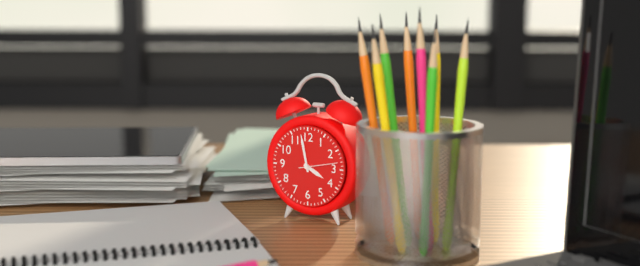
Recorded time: 3:58
